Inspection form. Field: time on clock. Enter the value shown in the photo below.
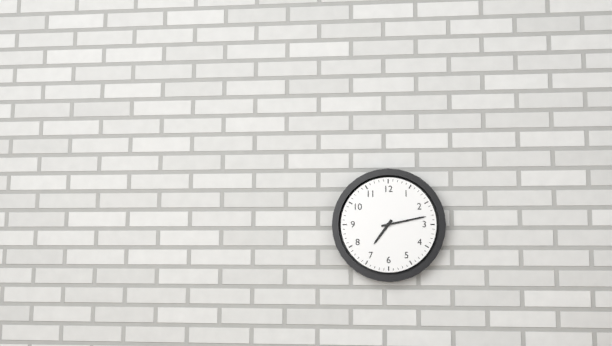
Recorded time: 7:13
